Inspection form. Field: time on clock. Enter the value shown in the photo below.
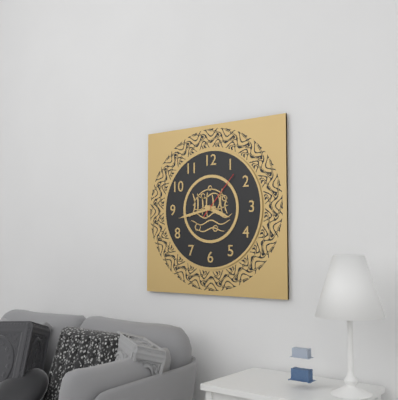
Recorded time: 3:43:07
